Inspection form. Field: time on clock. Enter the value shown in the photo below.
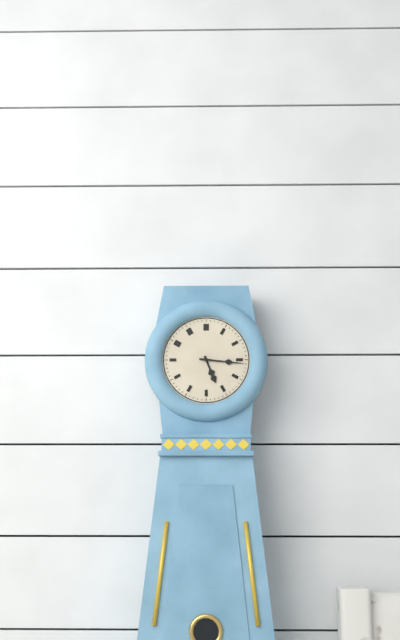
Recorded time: 5:16
